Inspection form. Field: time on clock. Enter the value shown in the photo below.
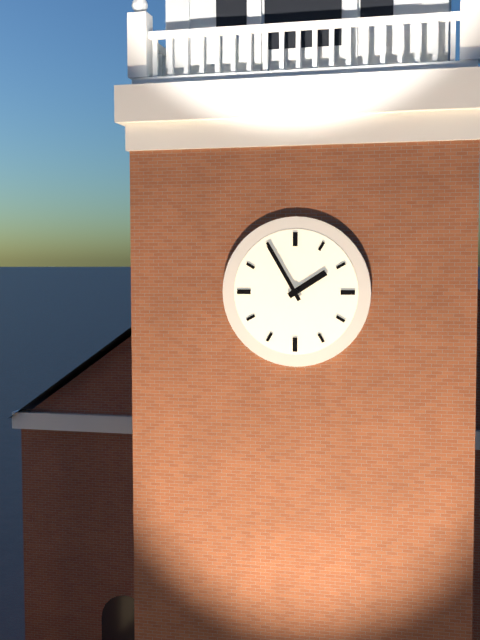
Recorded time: 1:55
